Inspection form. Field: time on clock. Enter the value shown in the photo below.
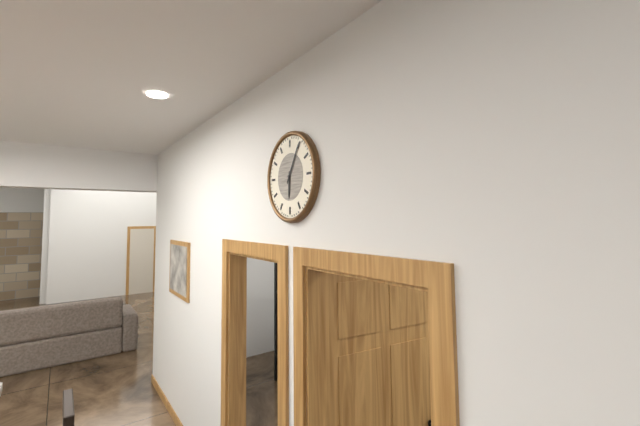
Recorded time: 6:05
